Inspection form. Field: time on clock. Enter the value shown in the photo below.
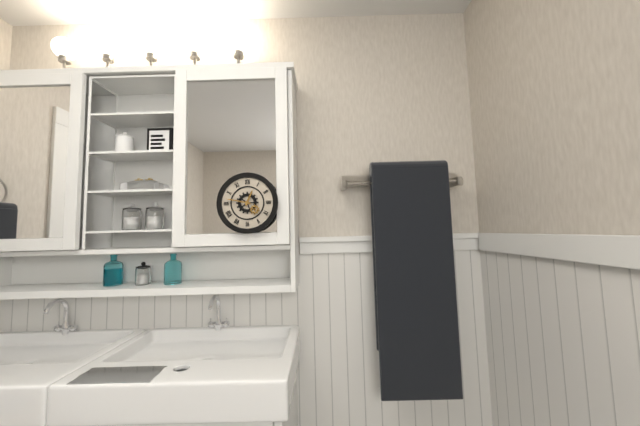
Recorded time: 12:47
